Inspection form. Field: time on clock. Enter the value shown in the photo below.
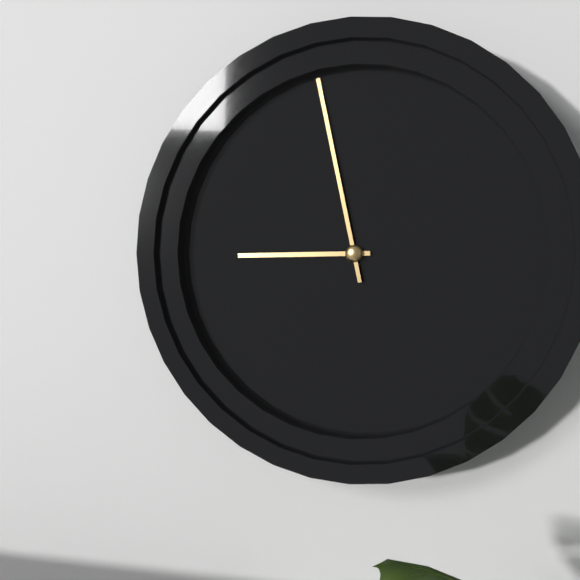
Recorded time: 8:58
